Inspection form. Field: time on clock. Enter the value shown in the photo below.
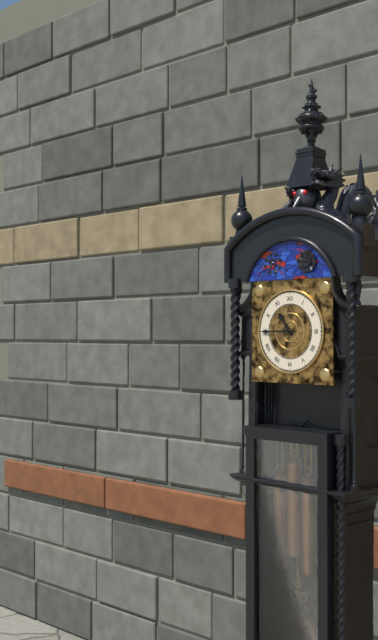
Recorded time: 10:45
